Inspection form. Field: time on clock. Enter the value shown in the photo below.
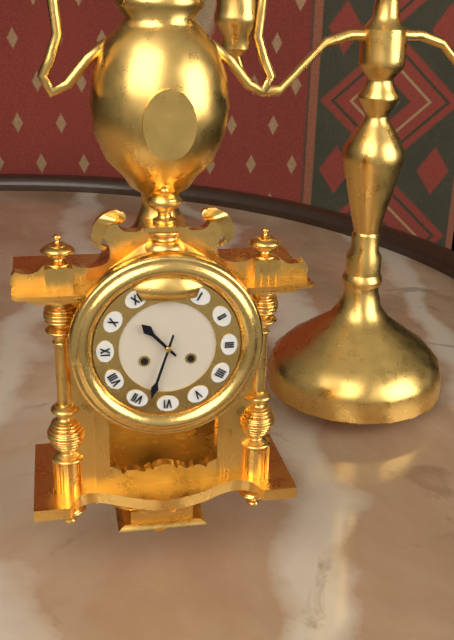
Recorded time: 10:33
